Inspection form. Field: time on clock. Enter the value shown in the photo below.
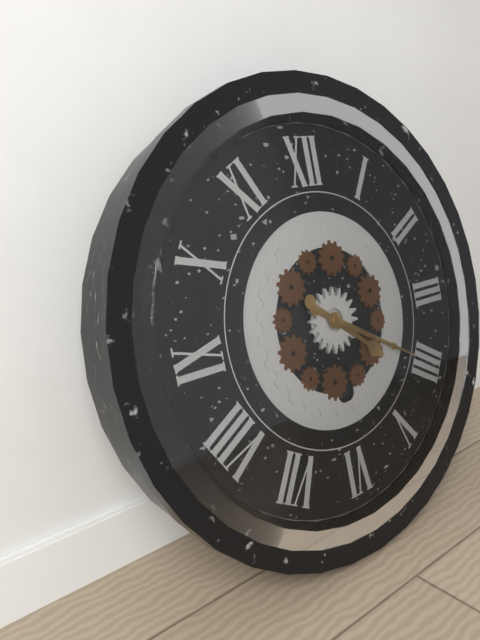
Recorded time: 4:20
